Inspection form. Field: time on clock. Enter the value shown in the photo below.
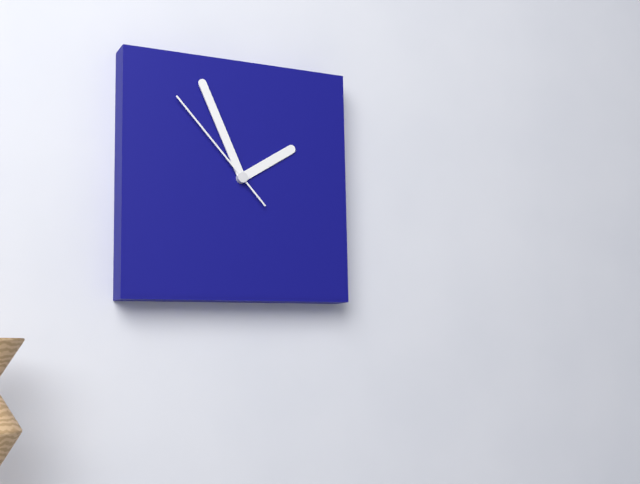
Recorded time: 1:56:53
